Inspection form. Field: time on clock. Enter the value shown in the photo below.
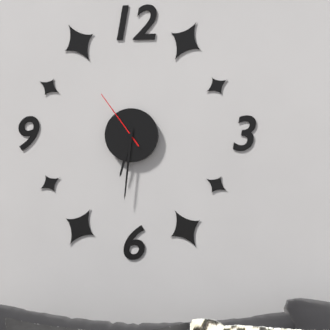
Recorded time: 6:31:54
